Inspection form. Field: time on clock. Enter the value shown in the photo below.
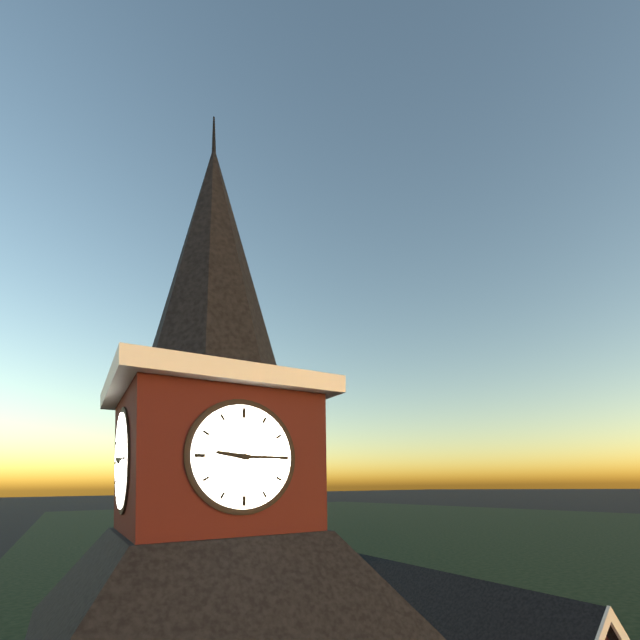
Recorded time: 9:15
